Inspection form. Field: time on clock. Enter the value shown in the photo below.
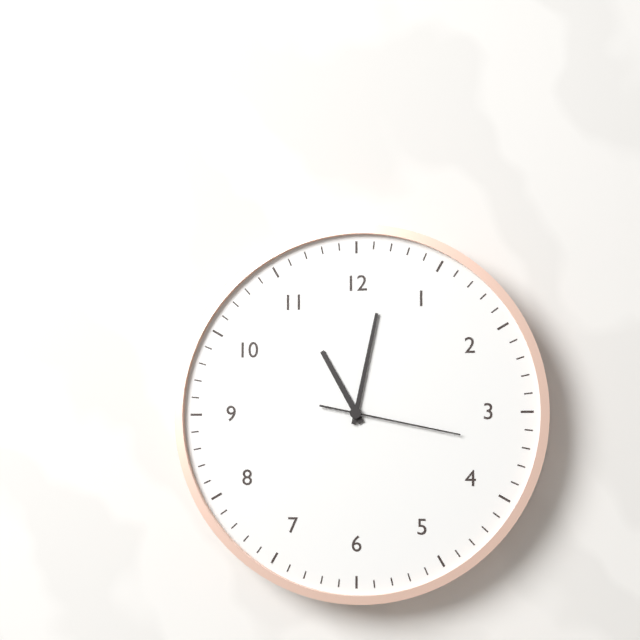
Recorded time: 11:02:17
